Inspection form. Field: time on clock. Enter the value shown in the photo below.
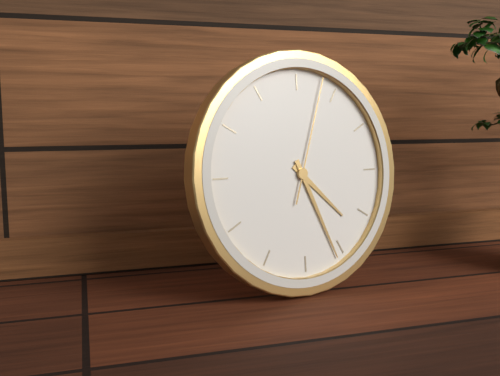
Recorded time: 4:26:03
